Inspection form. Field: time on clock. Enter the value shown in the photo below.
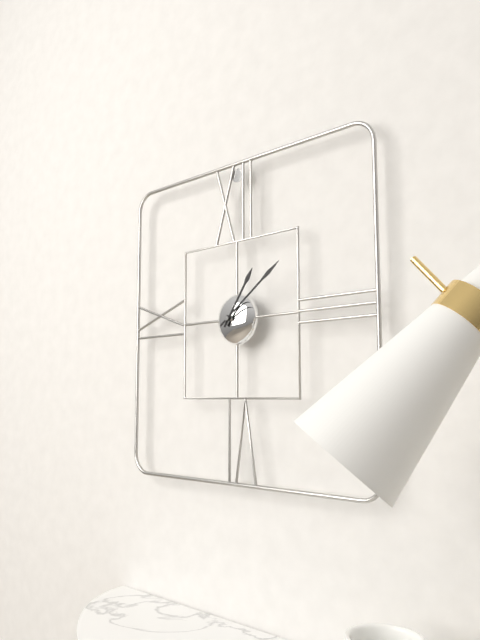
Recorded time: 1:09
